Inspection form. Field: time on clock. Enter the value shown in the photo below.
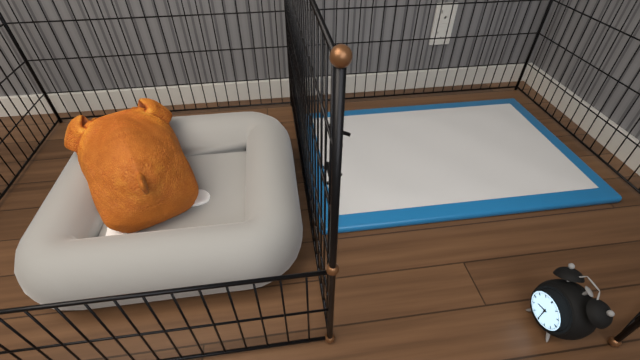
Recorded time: 8:30
